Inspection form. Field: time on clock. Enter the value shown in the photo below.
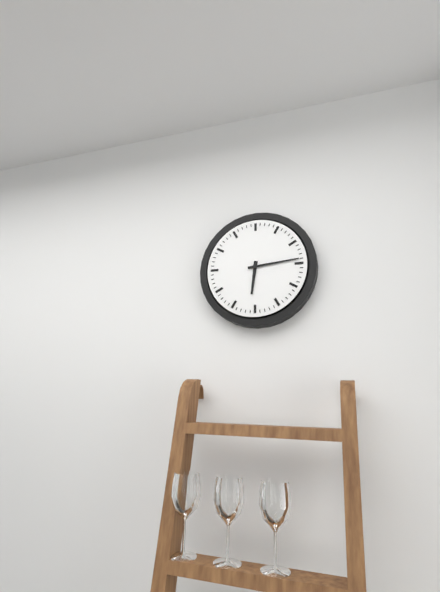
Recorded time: 6:14
